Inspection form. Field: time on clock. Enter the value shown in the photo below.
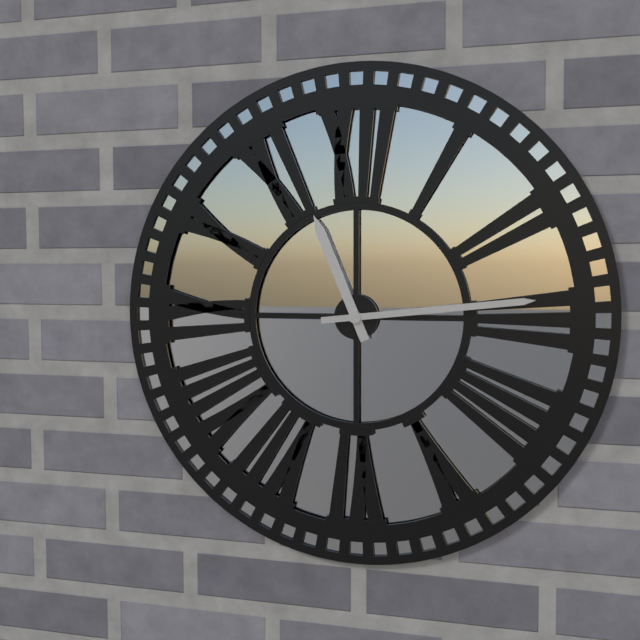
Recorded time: 11:14
